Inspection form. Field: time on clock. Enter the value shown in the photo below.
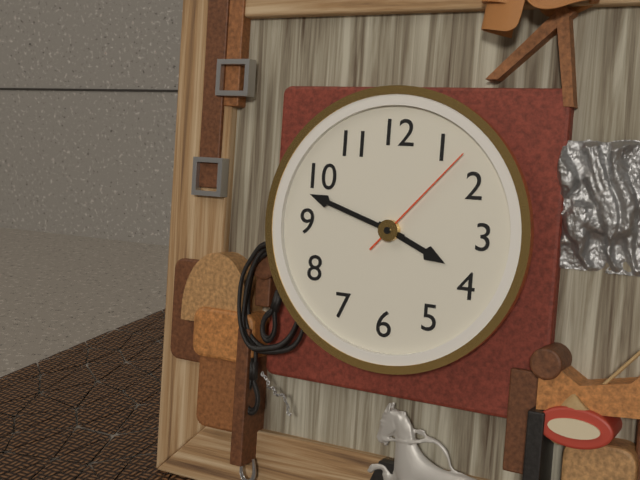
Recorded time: 3:48:07
